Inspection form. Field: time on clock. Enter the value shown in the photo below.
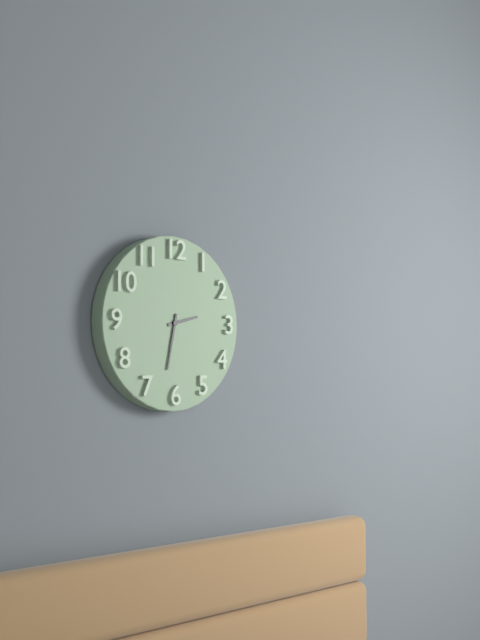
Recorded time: 2:32
